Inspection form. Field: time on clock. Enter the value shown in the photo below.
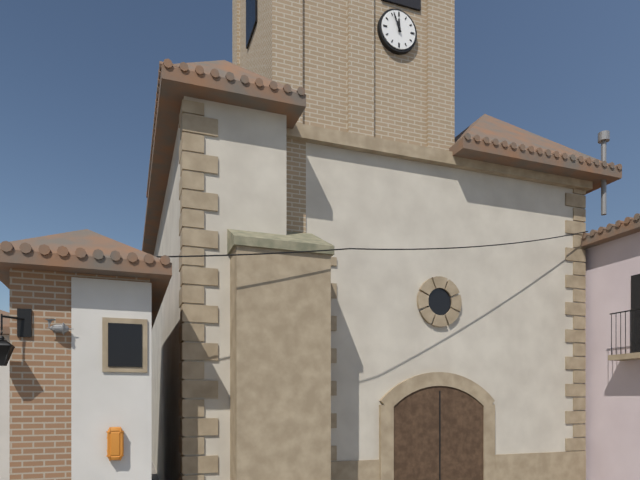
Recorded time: 11:56
